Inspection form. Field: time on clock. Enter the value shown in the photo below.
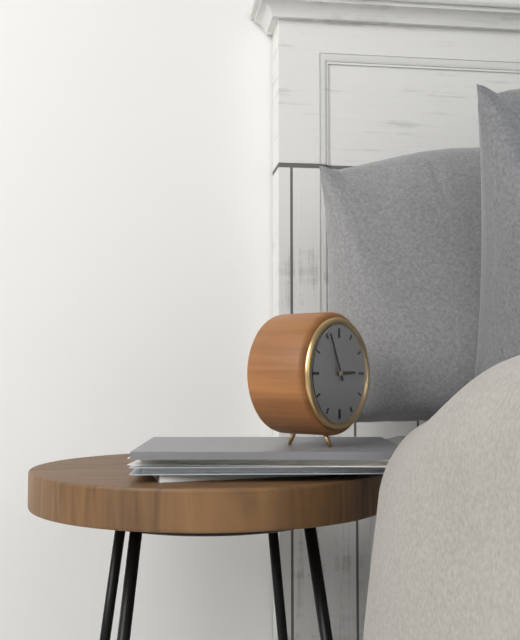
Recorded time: 2:56
